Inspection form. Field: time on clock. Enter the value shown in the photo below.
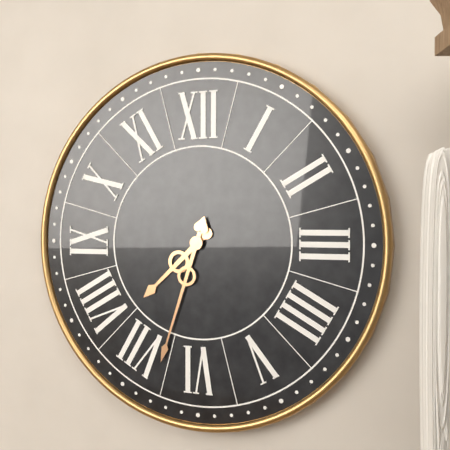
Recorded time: 7:33
